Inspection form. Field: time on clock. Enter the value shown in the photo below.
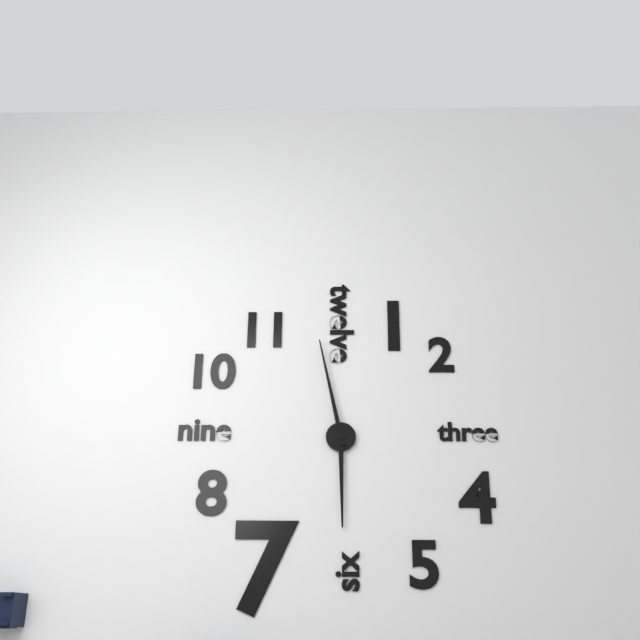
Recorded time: 5:58
